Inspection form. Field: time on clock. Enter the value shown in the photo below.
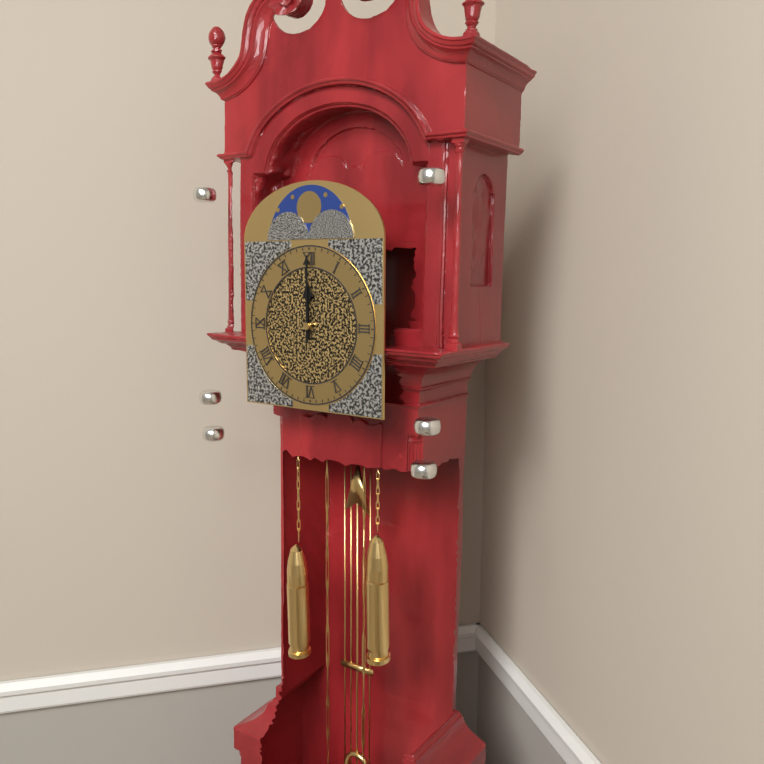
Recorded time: 12:00
